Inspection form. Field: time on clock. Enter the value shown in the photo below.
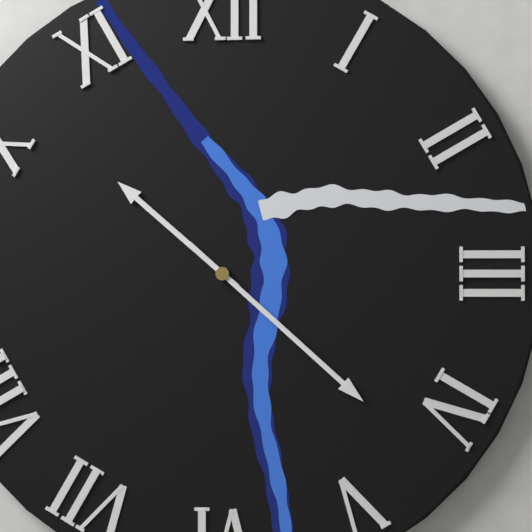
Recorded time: 10:22
